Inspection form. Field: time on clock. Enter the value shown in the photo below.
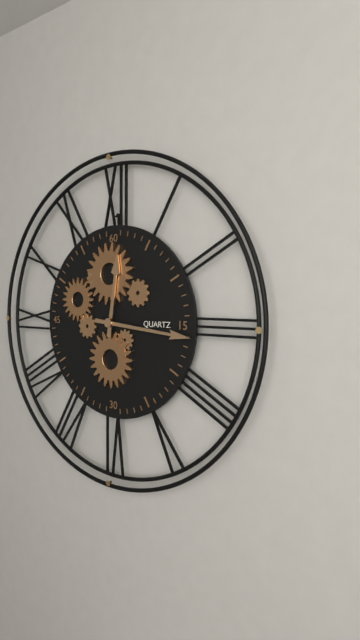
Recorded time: 12:16
